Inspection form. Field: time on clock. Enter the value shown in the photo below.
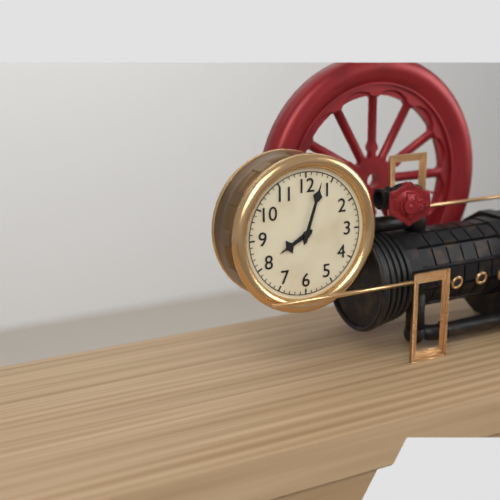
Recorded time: 8:03
